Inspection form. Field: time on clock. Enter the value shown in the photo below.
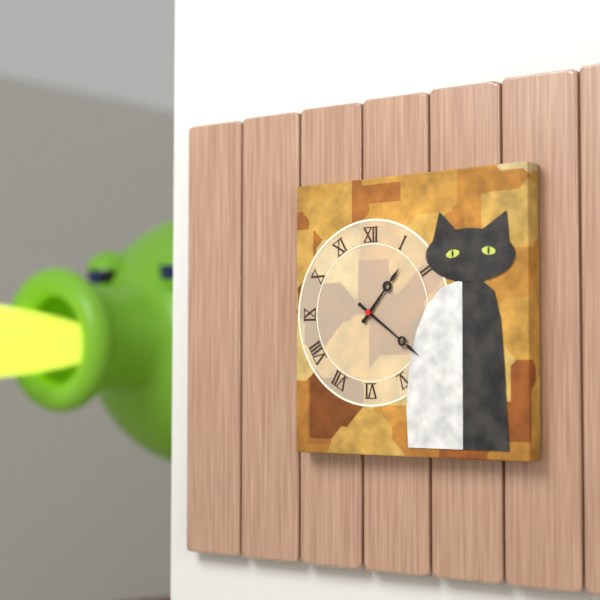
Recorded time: 1:21
